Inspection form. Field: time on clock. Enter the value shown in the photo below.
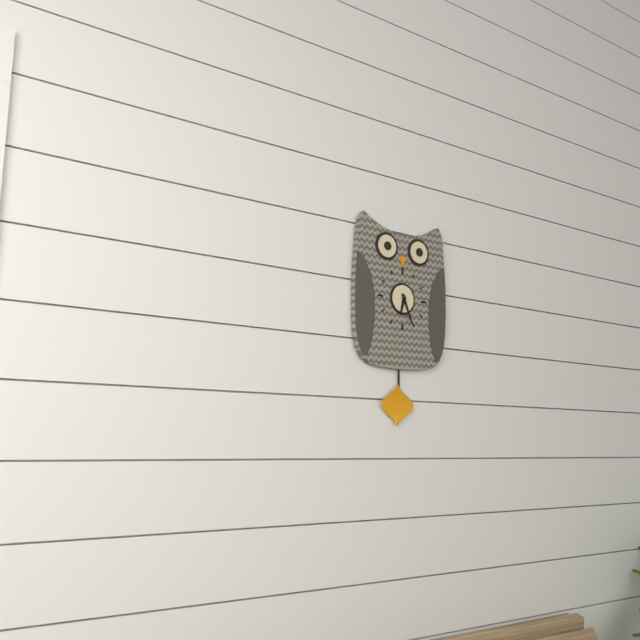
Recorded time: 6:26
